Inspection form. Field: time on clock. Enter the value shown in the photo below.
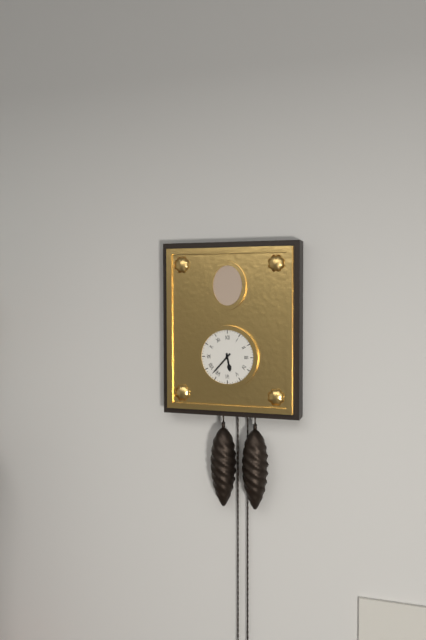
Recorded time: 5:37
